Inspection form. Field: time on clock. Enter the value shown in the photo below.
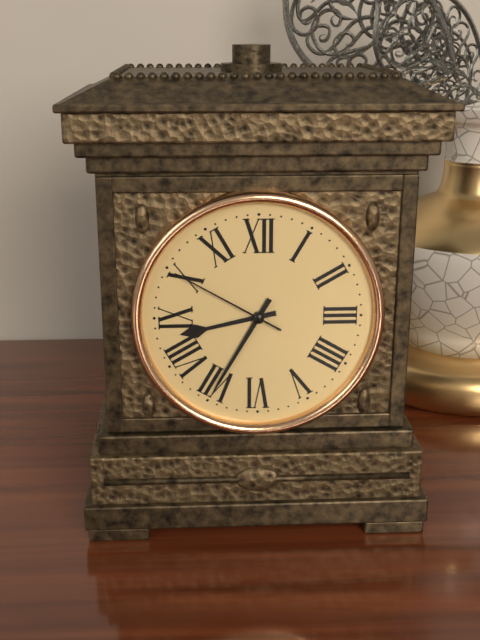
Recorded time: 8:35:50
